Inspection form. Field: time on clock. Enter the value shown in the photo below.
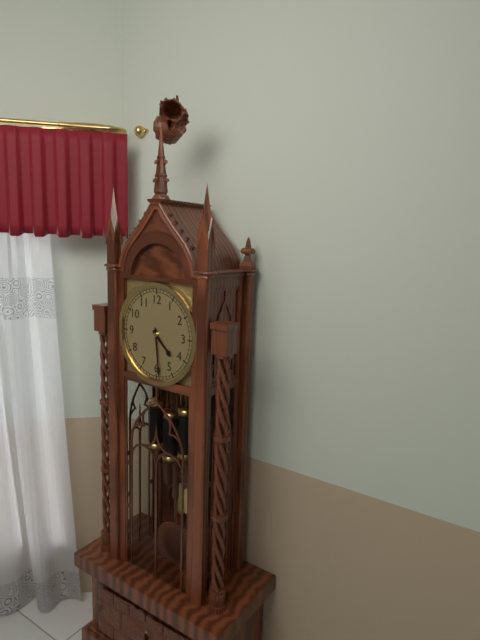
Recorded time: 4:29
